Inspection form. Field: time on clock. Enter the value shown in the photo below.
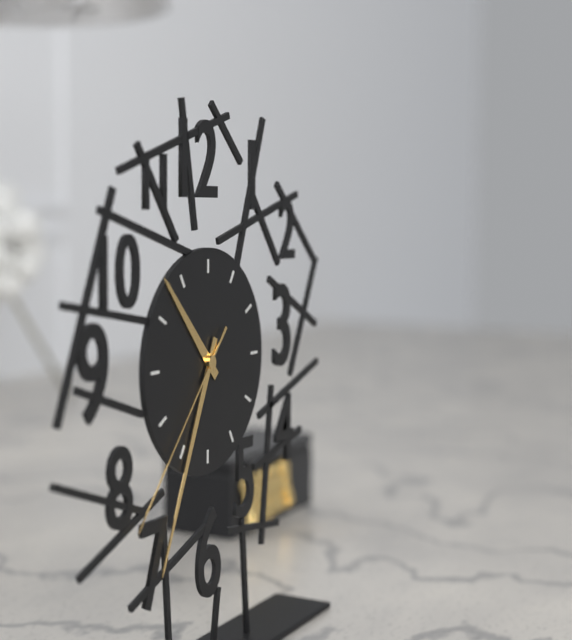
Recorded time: 10:34:37
